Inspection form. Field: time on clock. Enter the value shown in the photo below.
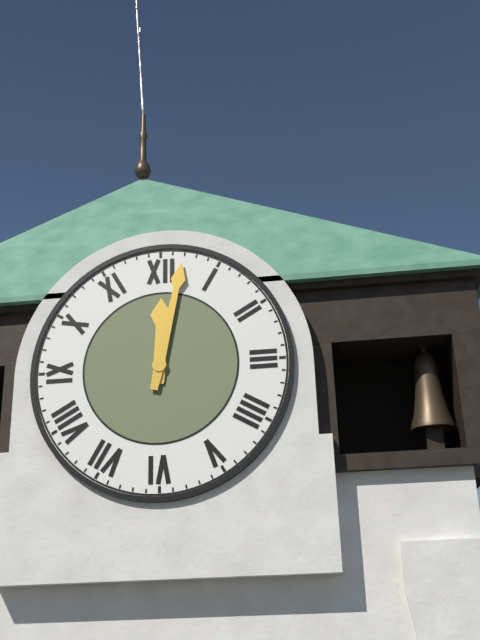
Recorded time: 12:02
